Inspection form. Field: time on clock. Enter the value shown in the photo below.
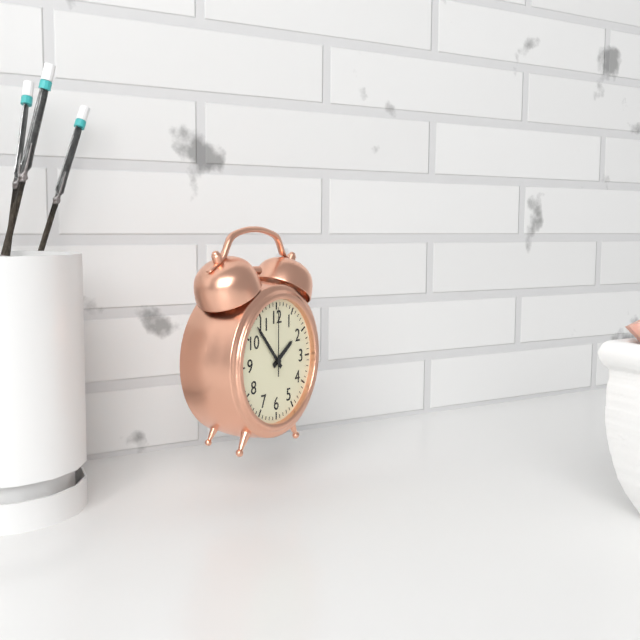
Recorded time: 1:53:00
